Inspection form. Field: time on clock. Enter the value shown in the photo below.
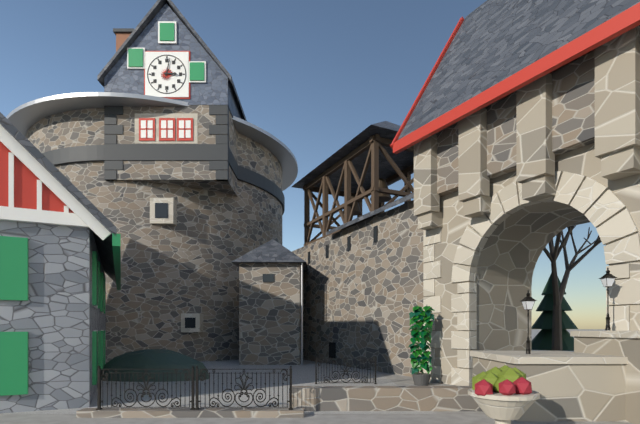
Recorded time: 3:02
